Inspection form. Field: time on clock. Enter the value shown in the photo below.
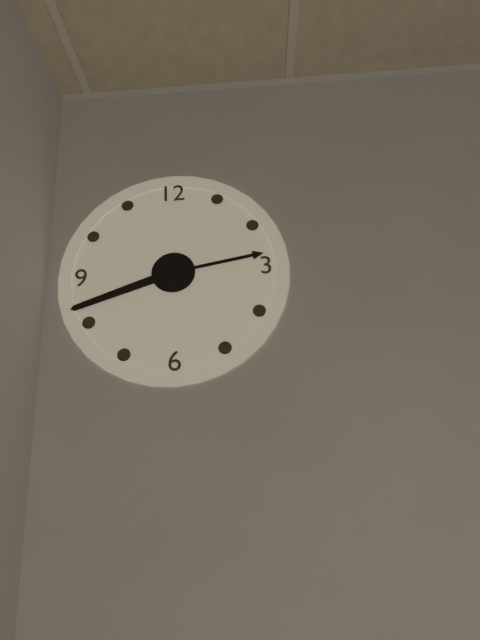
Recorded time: 2:42
